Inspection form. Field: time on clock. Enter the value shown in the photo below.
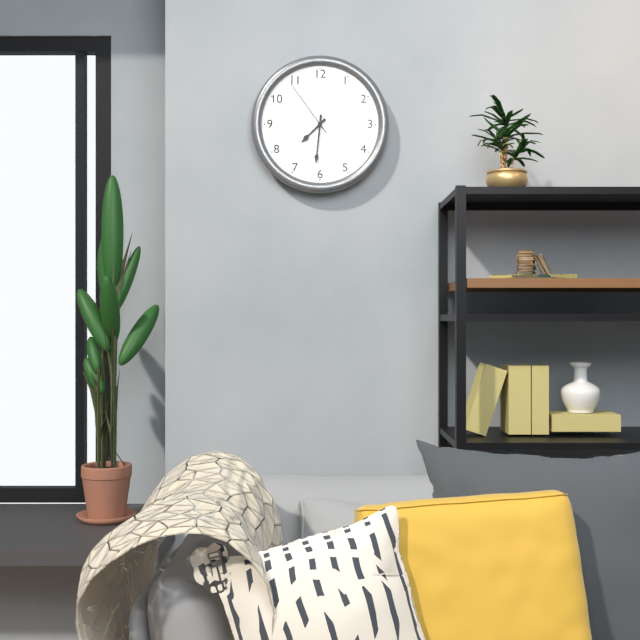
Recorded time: 7:31:54
